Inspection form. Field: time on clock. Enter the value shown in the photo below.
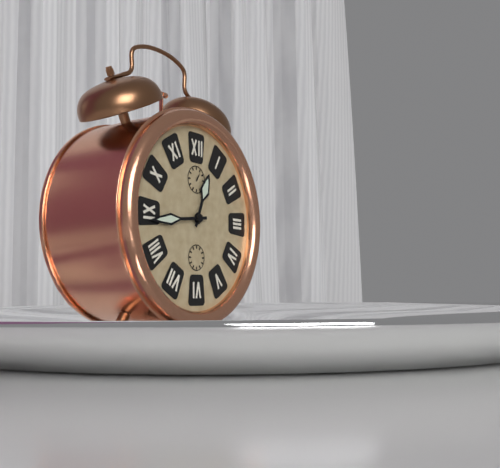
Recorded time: 12:44
